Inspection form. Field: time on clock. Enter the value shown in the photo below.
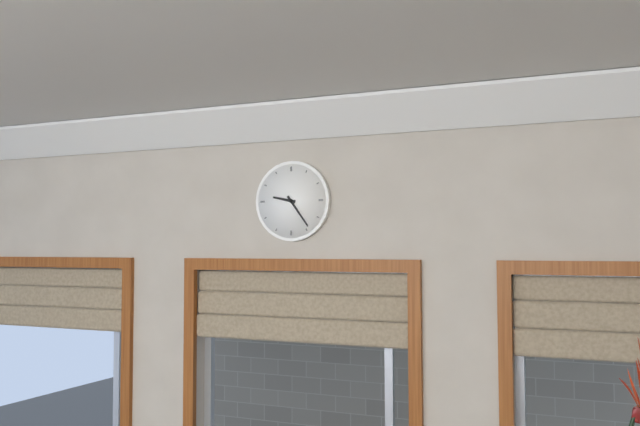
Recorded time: 9:24
